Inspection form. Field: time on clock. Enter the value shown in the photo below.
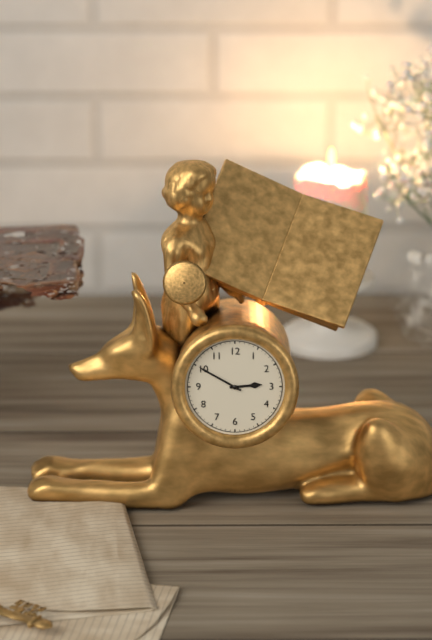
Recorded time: 2:50
